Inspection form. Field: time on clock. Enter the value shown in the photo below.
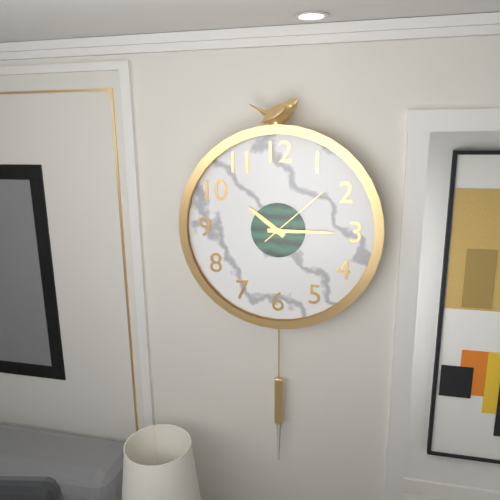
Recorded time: 10:15:08
